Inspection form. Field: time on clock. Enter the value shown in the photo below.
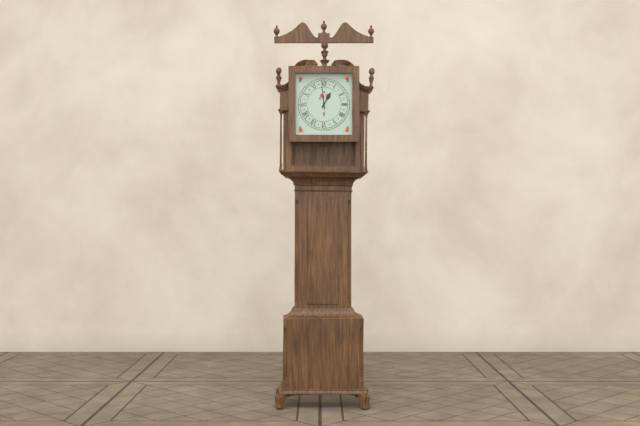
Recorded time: 12:59
